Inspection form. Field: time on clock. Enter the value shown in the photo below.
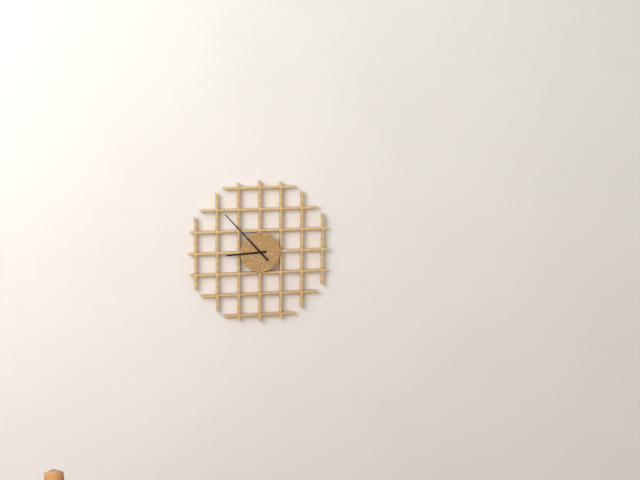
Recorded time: 8:53
